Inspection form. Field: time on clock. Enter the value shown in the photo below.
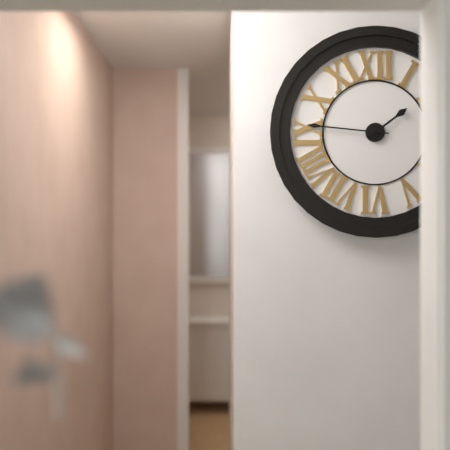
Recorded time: 1:46
